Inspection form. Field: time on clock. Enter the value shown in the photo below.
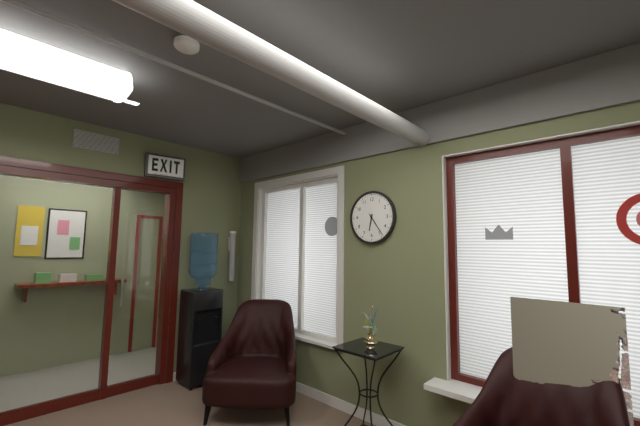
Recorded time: 6:24
